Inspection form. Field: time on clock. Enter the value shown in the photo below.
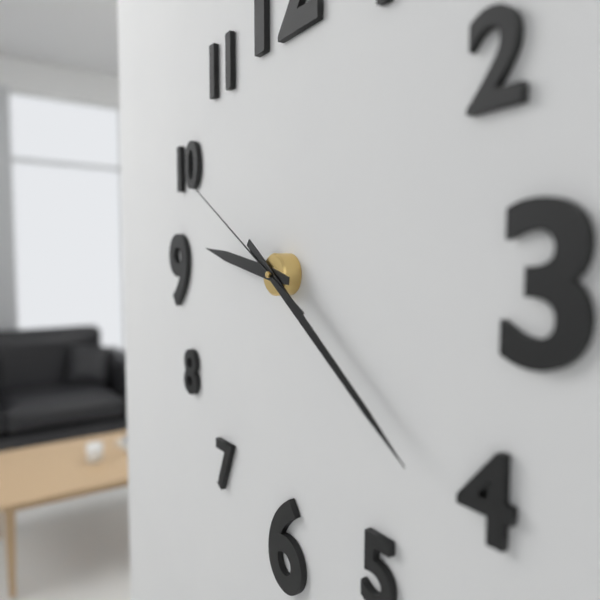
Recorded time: 9:21:50
